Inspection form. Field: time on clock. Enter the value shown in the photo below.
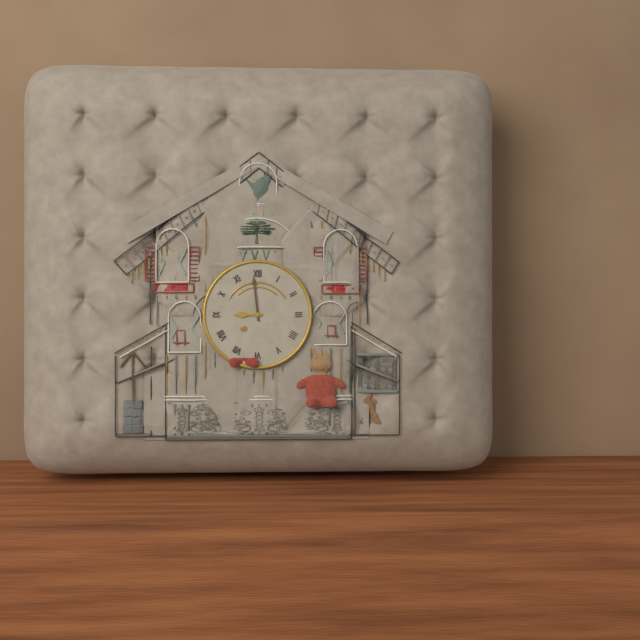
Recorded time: 8:59
